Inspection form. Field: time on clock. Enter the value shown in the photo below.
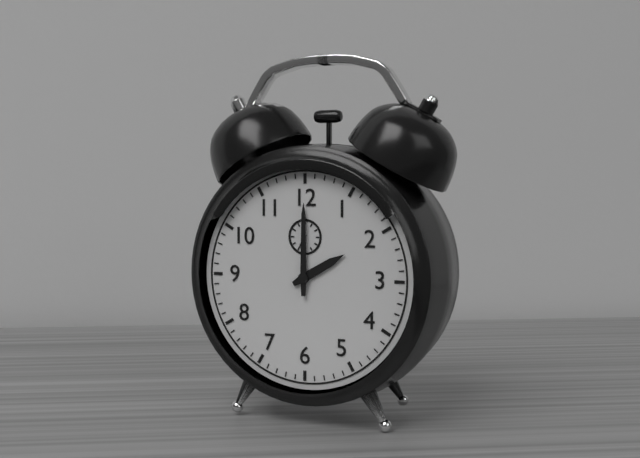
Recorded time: 2:00
